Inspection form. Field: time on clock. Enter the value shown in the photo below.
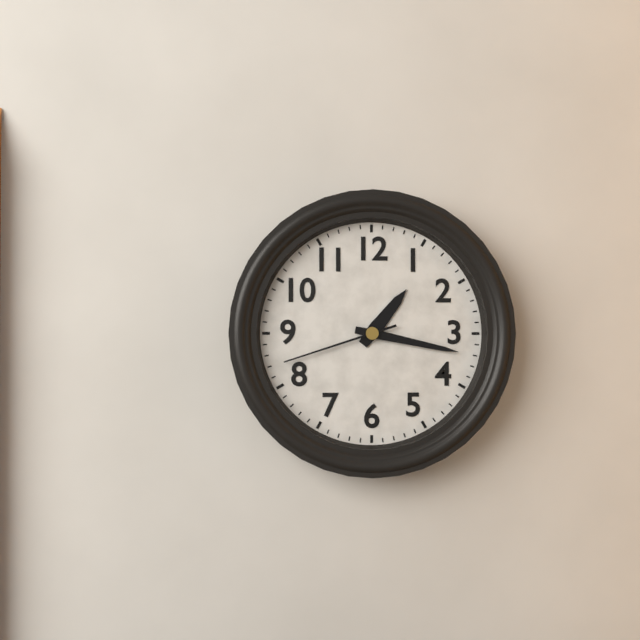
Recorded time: 1:17:42
